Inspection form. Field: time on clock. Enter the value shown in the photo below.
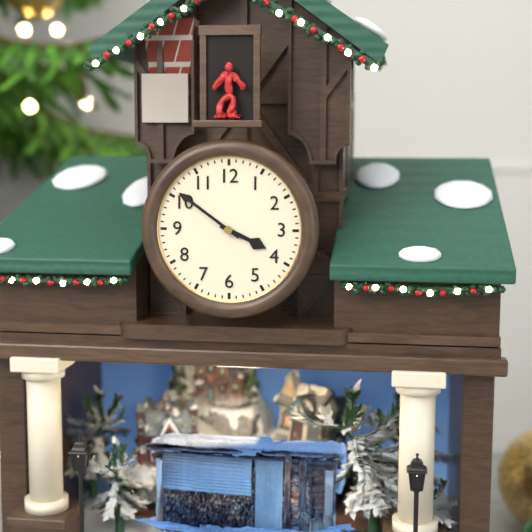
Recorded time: 3:51
